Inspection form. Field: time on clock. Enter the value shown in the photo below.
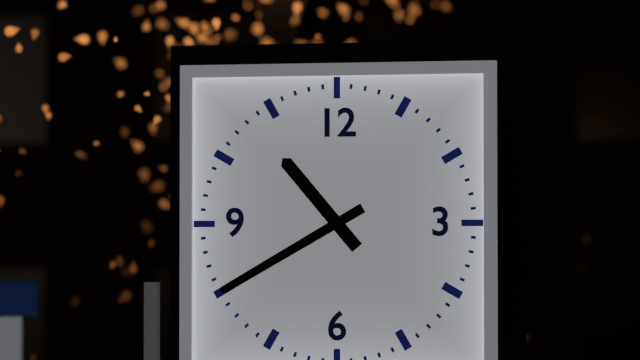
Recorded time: 10:40
